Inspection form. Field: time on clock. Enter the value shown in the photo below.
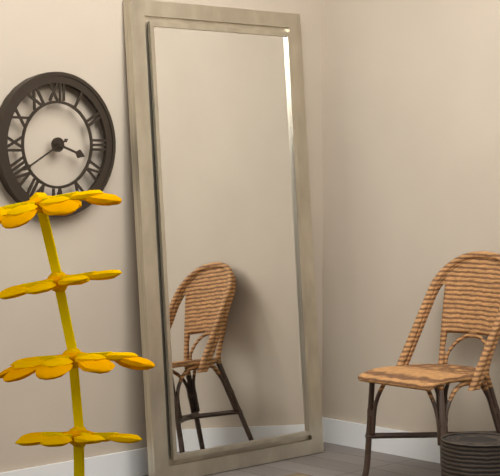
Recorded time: 3:40
